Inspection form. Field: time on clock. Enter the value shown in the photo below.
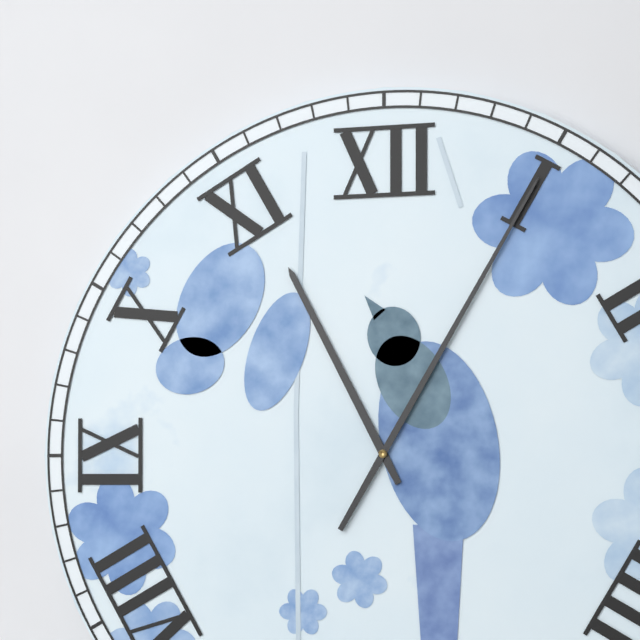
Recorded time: 11:05
